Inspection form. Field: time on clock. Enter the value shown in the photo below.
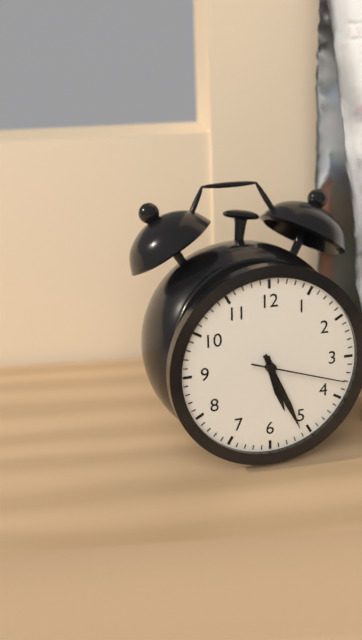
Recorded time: 5:26:18
